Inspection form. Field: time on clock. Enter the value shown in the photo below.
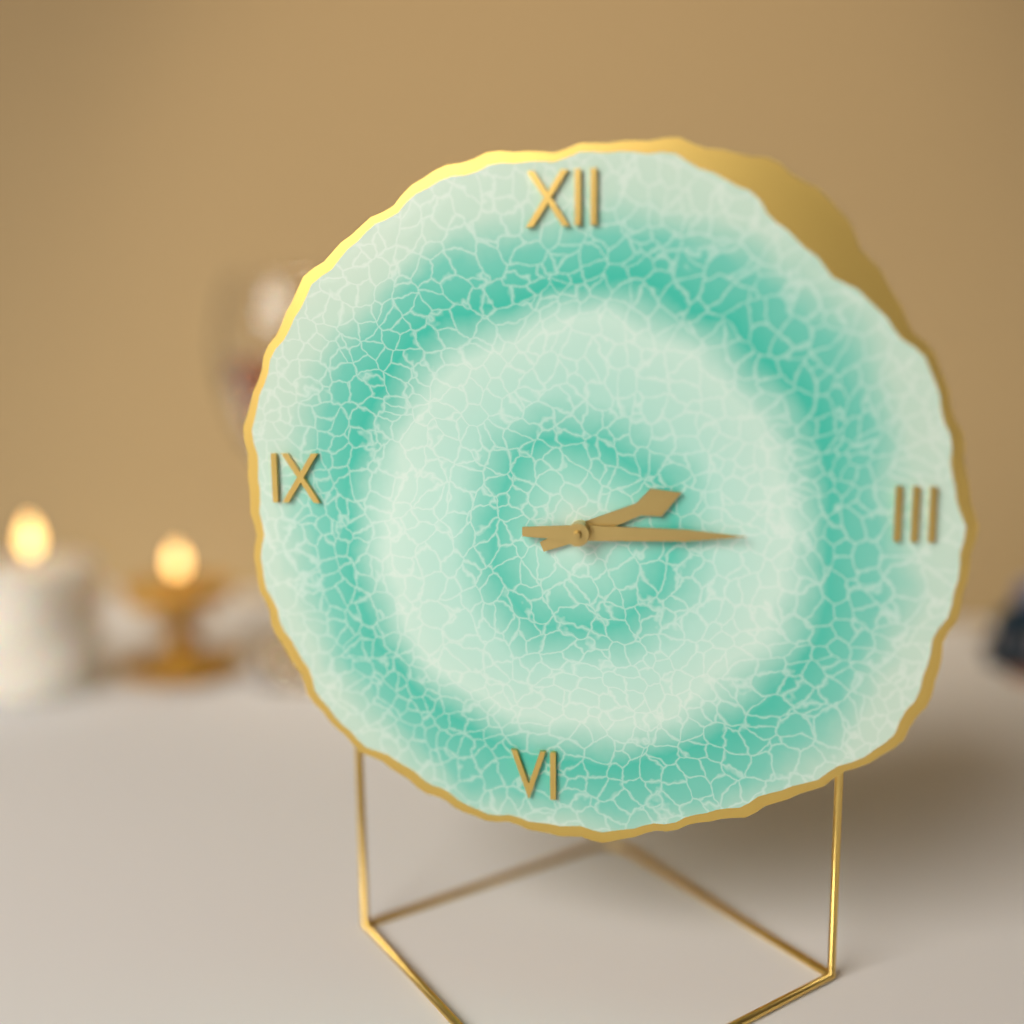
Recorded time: 2:15
